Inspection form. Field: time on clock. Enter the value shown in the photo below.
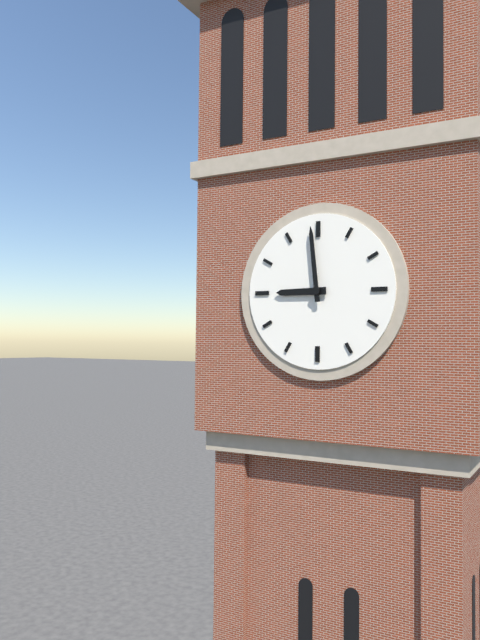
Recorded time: 8:59
